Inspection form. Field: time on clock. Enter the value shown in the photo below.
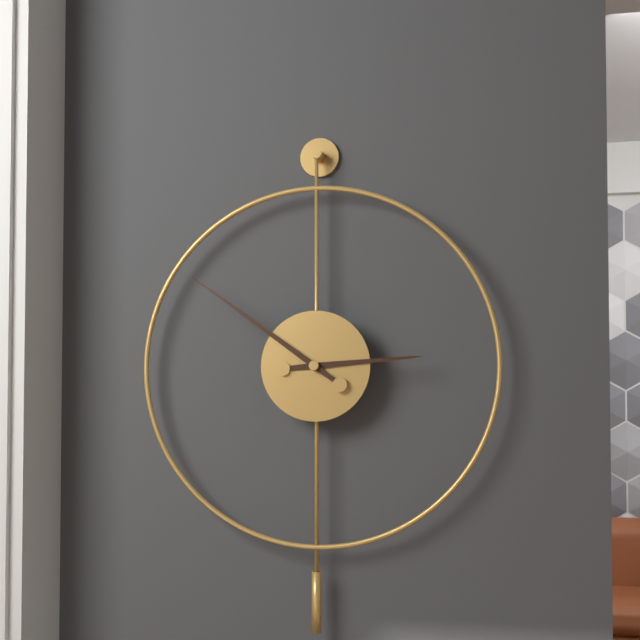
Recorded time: 2:51
